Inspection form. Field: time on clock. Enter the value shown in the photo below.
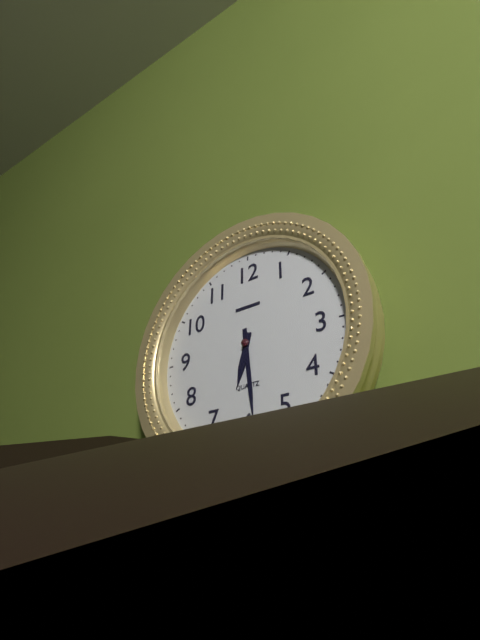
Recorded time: 6:29
